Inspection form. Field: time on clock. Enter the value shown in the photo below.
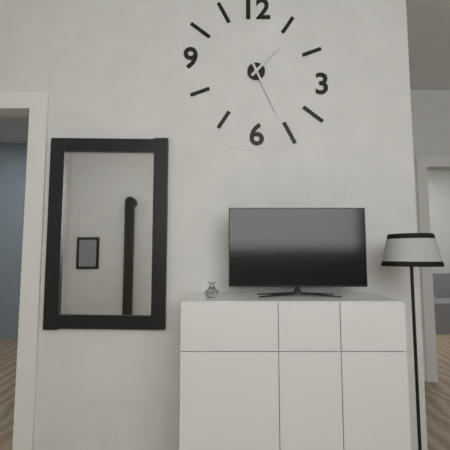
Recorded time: 1:26
